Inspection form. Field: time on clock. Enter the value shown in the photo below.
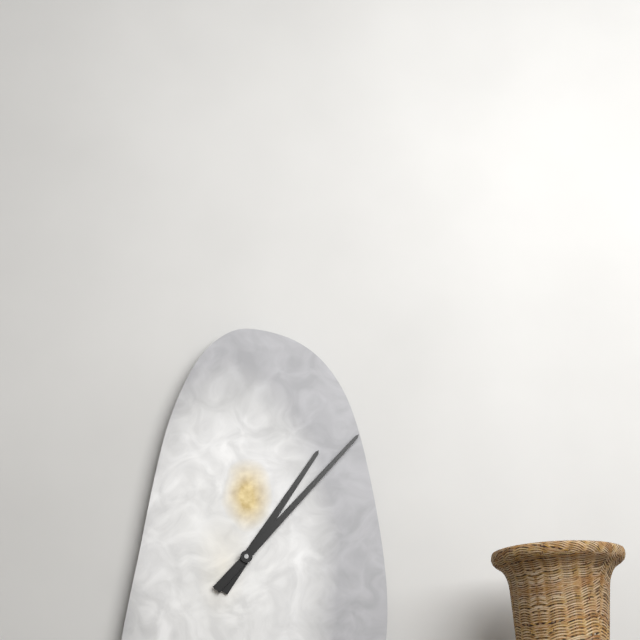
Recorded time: 1:07
